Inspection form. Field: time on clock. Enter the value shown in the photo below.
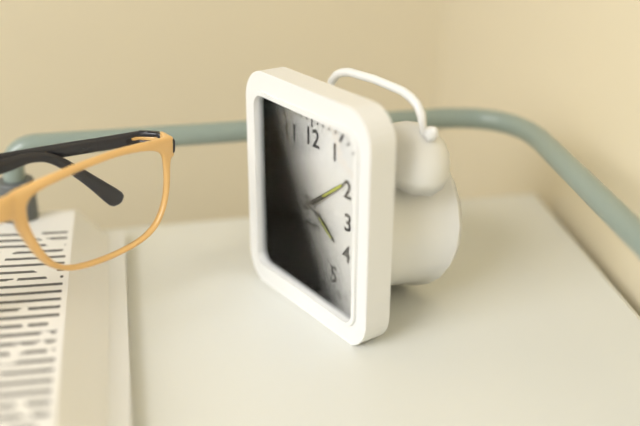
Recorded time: 4:09:46
